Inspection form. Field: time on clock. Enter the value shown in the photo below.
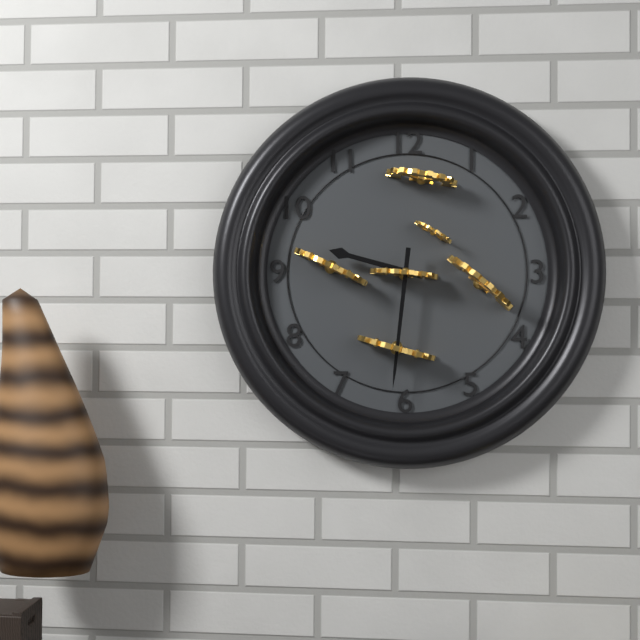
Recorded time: 9:31
